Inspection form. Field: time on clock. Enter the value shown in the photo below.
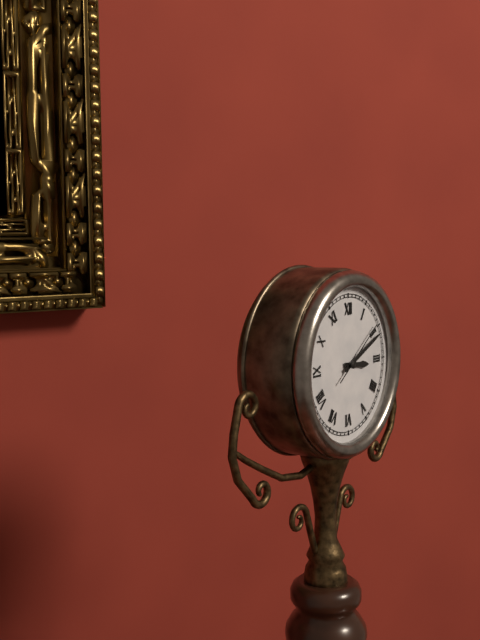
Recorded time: 3:11:09
